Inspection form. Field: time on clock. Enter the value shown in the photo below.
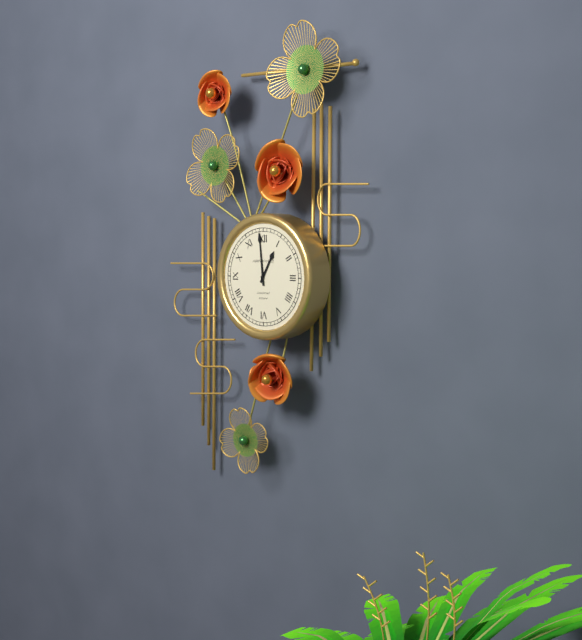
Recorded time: 12:59
